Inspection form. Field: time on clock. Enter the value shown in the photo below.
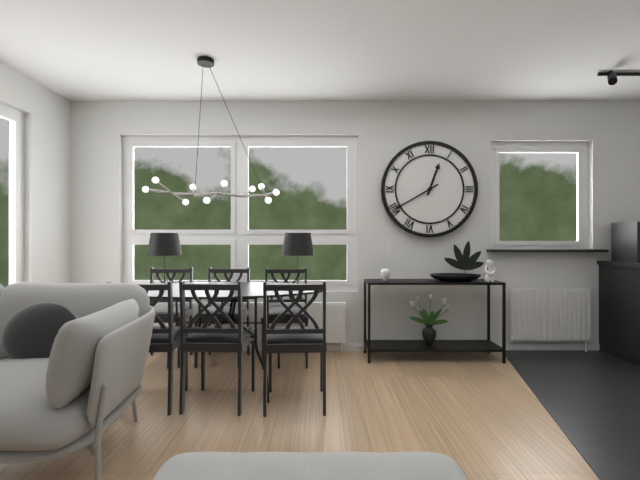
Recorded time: 12:40
